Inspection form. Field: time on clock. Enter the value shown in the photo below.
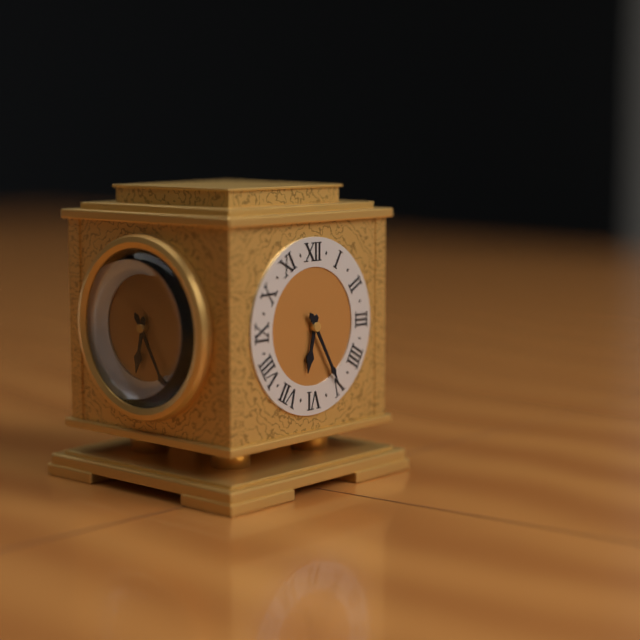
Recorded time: 6:25
